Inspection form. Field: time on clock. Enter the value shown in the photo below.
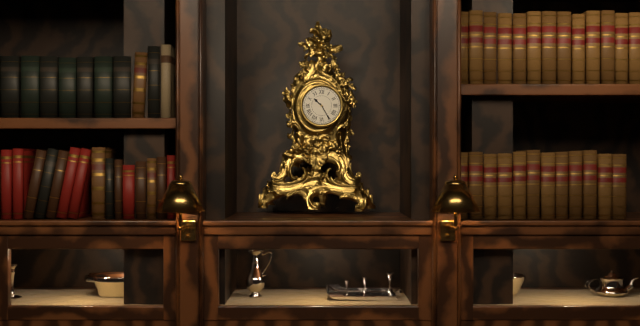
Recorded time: 10:25
